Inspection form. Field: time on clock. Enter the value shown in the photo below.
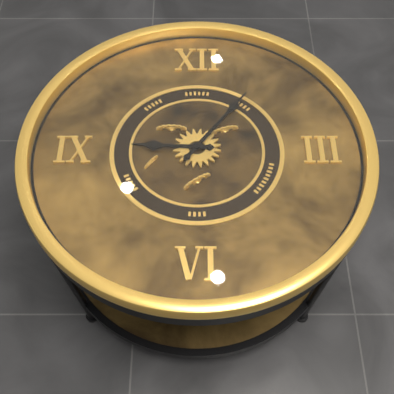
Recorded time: 9:06
